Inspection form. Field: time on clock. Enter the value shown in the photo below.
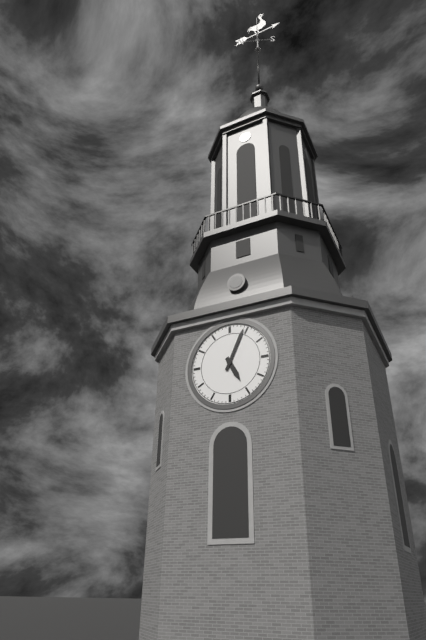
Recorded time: 5:04
